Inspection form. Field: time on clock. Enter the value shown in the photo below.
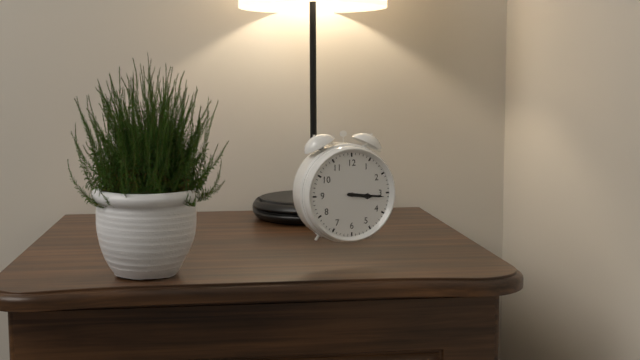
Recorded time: 3:16
